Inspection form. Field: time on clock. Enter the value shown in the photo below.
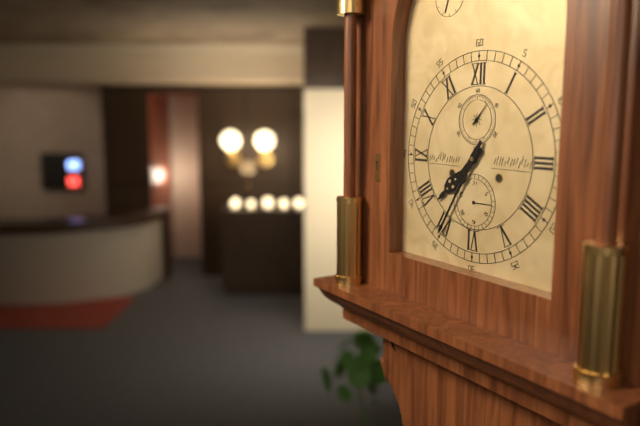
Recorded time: 7:35
